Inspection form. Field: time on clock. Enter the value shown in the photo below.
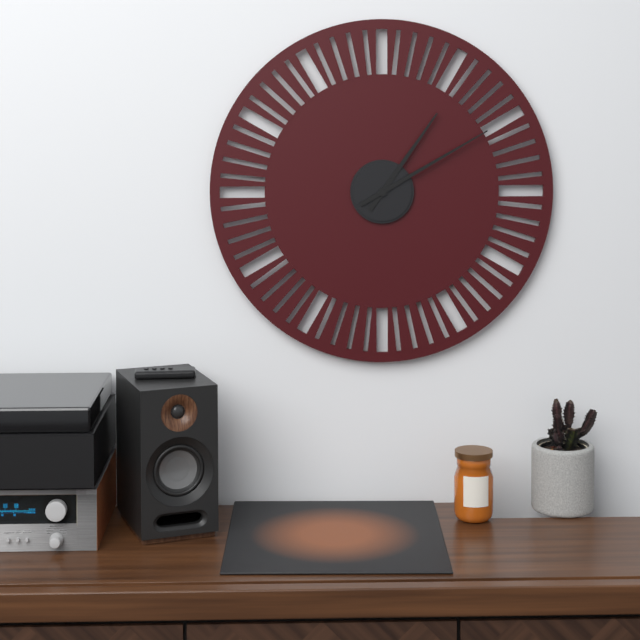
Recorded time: 1:10
